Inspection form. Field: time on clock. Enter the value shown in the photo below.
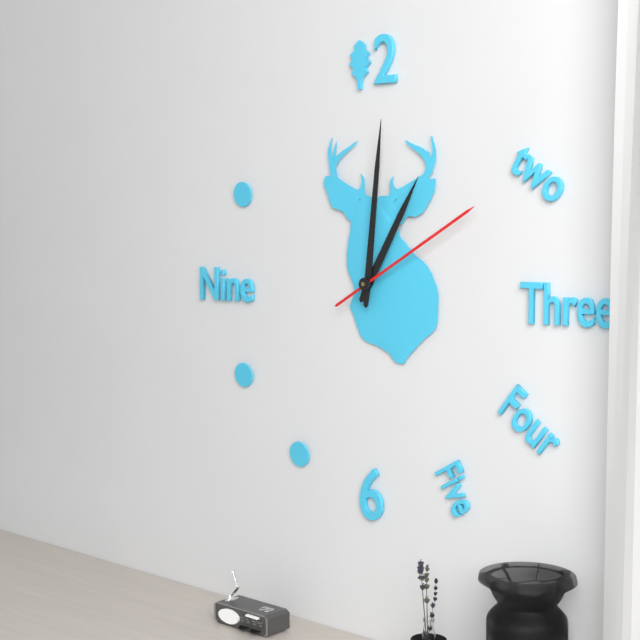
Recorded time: 1:01:10
